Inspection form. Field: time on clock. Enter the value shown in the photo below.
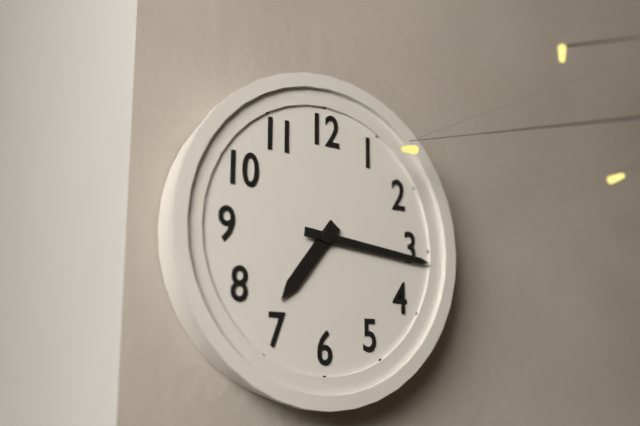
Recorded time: 7:16
